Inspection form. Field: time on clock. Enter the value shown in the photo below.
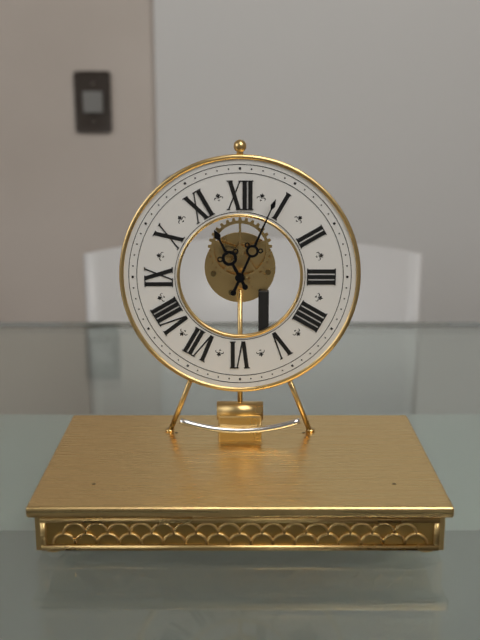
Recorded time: 11:04
